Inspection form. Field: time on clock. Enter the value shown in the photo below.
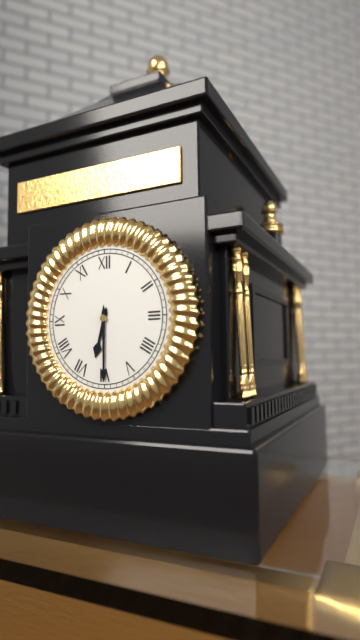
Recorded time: 6:30
